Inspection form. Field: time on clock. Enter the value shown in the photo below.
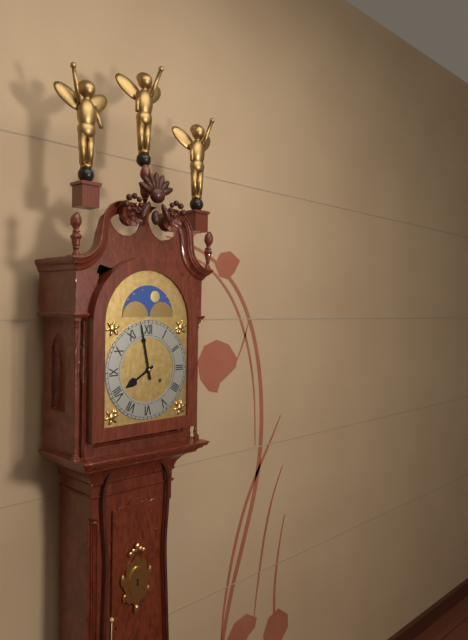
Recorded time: 7:58
